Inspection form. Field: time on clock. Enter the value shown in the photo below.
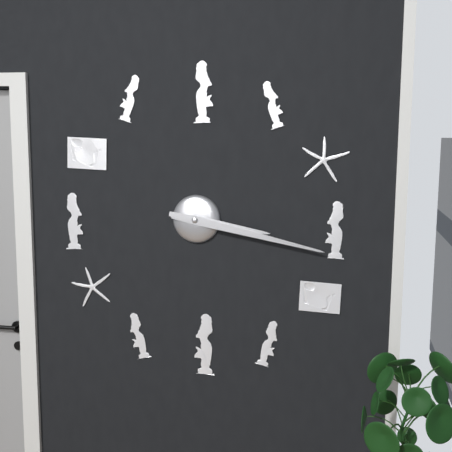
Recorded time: 3:17
